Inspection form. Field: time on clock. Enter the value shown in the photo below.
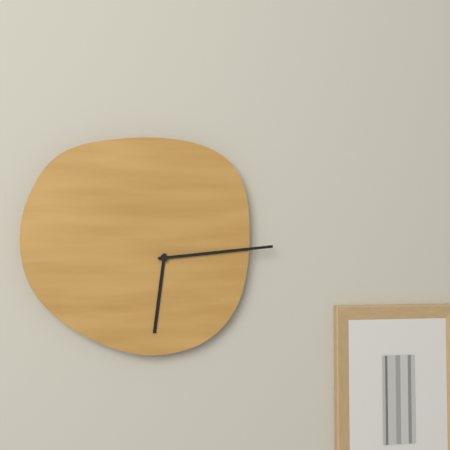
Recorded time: 6:14
